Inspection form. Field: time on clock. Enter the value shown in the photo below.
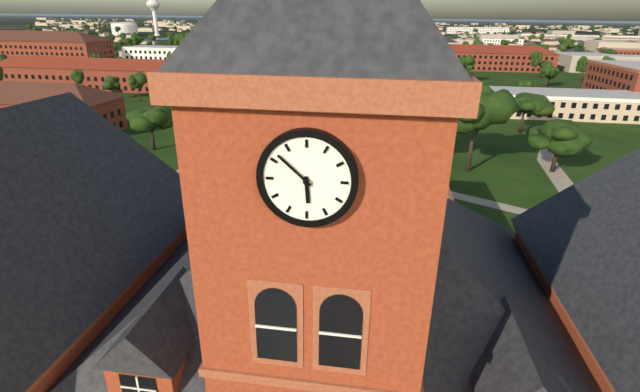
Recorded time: 5:52
